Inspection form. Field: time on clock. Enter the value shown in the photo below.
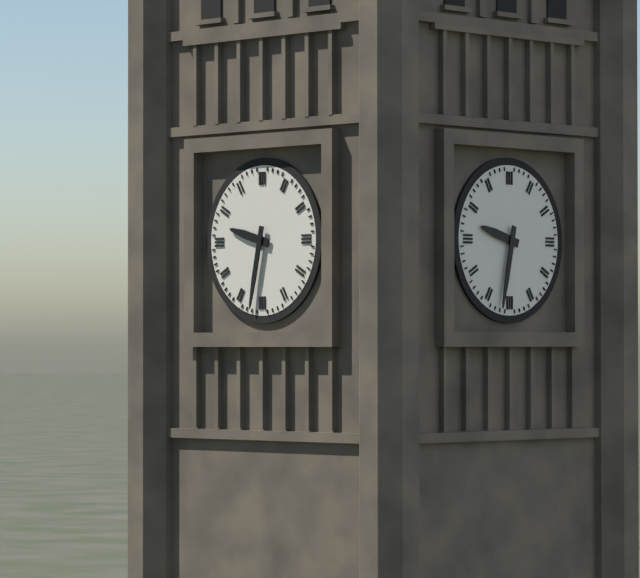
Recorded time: 9:32
